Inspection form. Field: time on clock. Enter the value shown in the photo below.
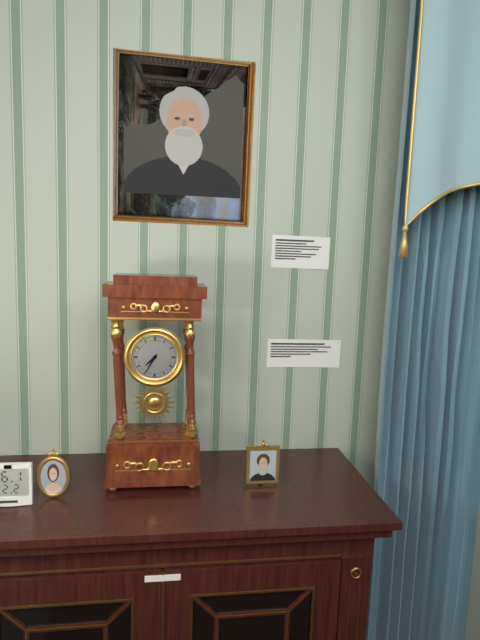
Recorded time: 7:35
